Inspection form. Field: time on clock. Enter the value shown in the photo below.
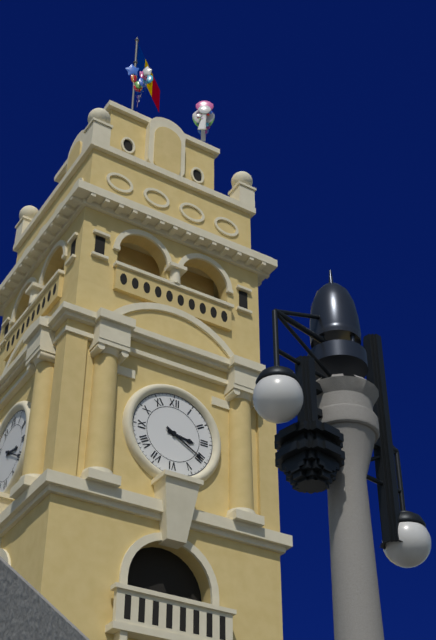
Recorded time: 3:20
